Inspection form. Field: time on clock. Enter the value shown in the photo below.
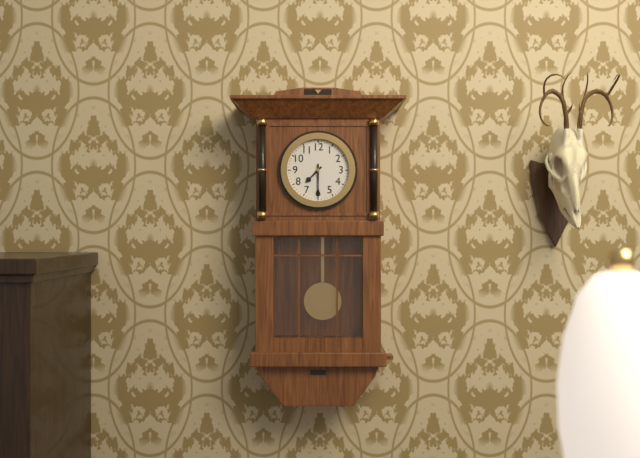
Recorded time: 7:30
